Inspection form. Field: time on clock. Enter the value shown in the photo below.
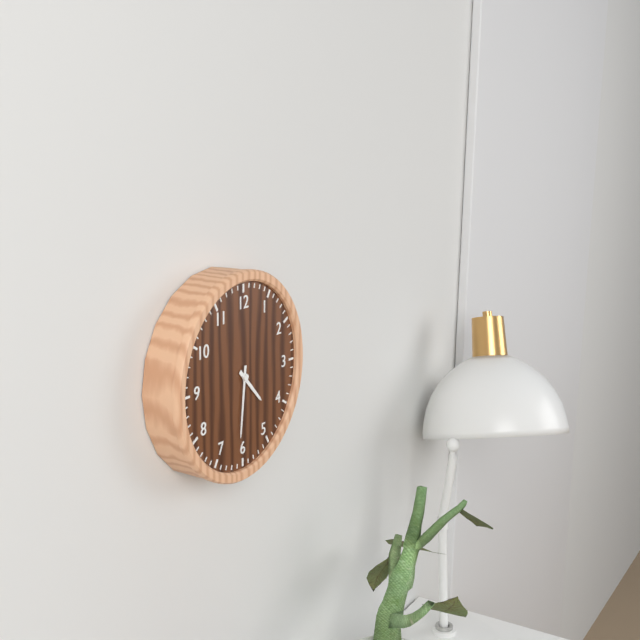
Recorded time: 4:31
